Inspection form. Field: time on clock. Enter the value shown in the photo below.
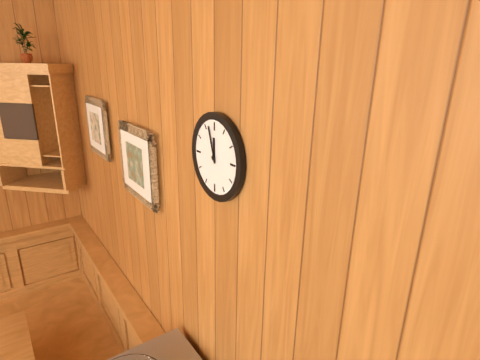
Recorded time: 11:57
